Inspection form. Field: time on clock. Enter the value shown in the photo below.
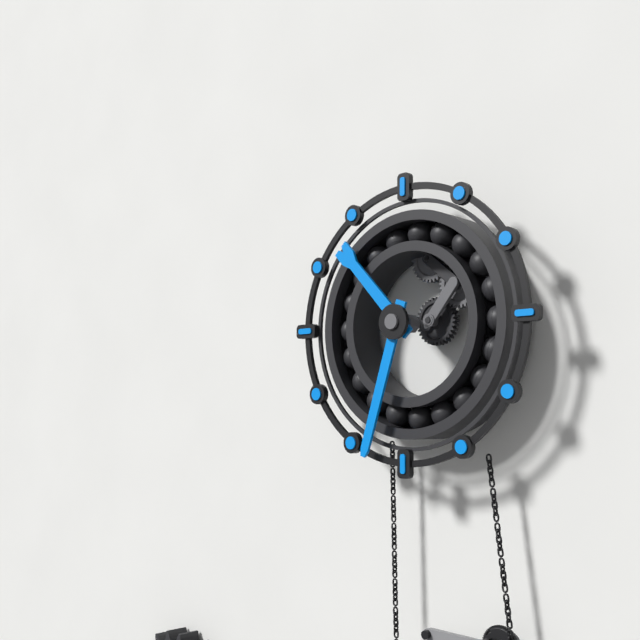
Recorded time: 10:33
